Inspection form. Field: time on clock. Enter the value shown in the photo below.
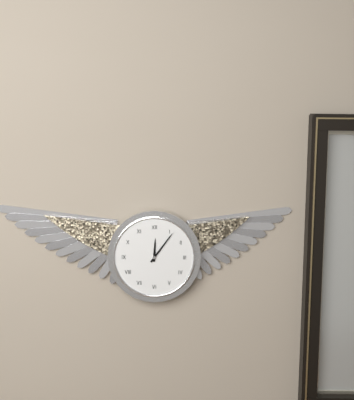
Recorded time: 12:06
